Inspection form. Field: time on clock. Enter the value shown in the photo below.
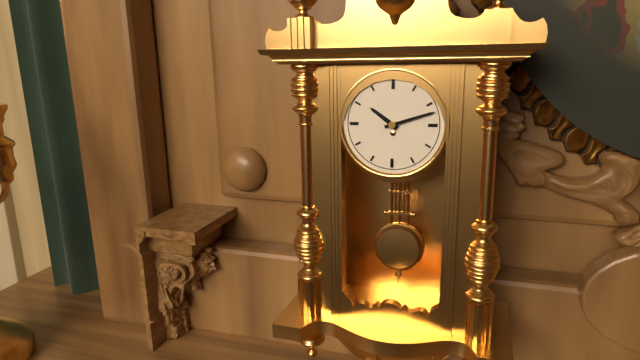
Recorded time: 10:12
